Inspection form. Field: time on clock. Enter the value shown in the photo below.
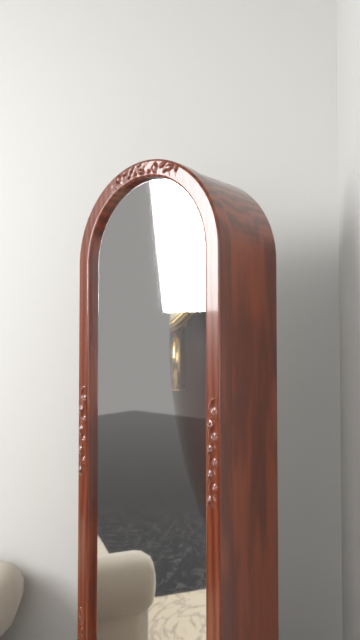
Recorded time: 3:49
